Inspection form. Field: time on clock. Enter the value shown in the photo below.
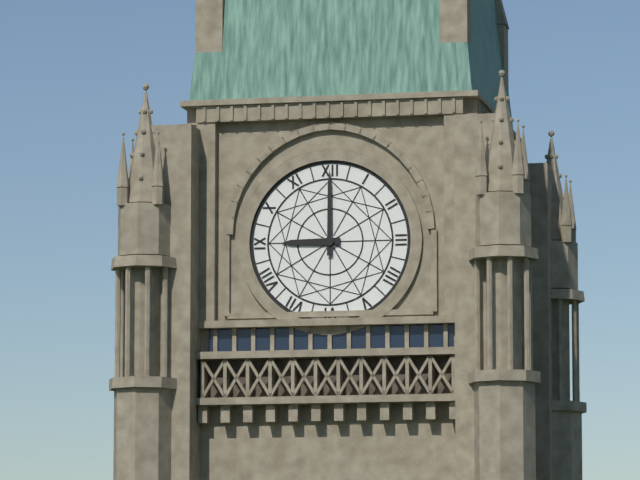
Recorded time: 9:00
